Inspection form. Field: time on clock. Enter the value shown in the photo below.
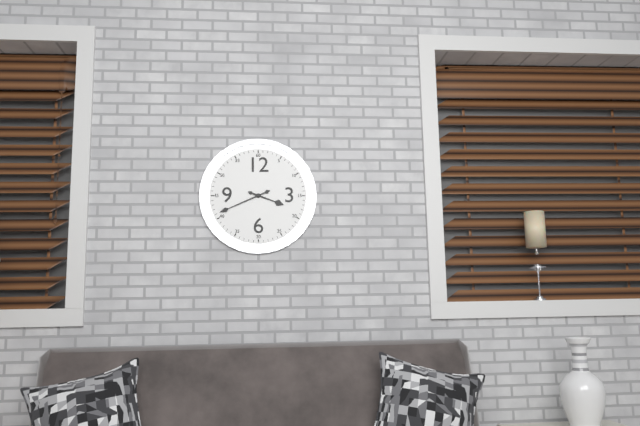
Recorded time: 3:41
